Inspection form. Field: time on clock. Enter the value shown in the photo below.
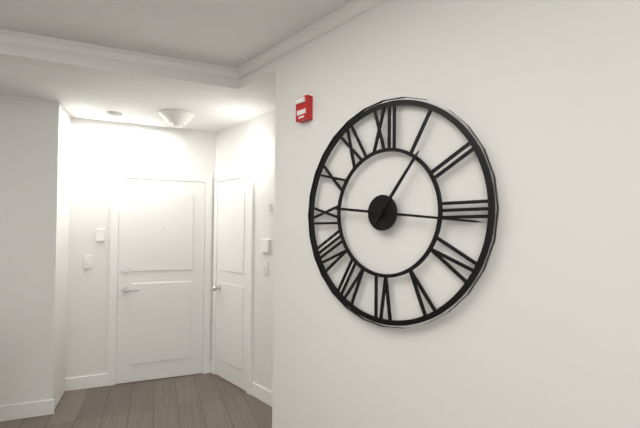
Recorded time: 1:16
